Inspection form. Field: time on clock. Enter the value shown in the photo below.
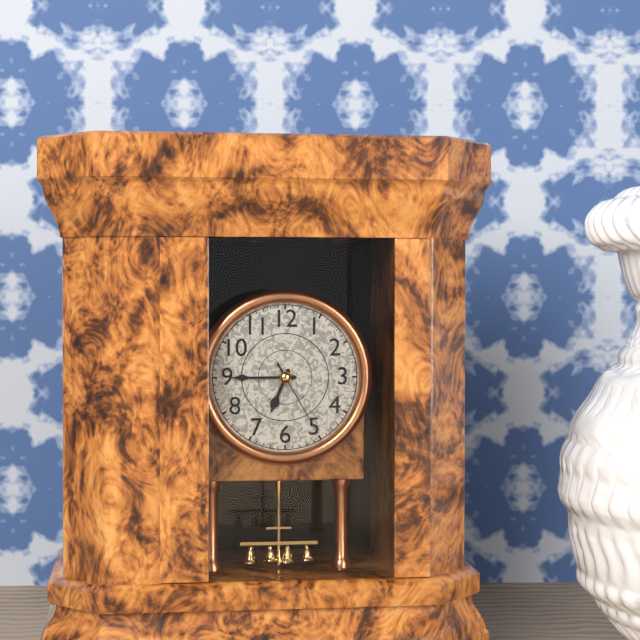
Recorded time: 6:45:25
